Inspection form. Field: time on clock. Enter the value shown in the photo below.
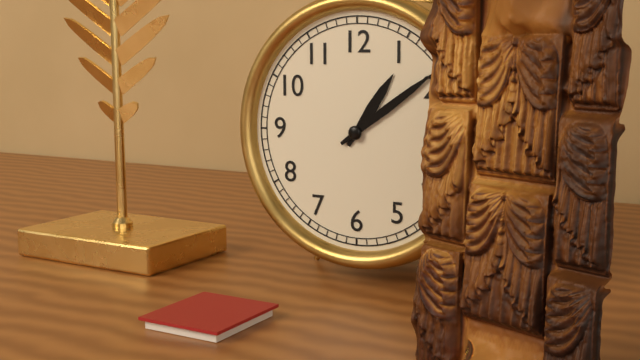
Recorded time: 1:09
